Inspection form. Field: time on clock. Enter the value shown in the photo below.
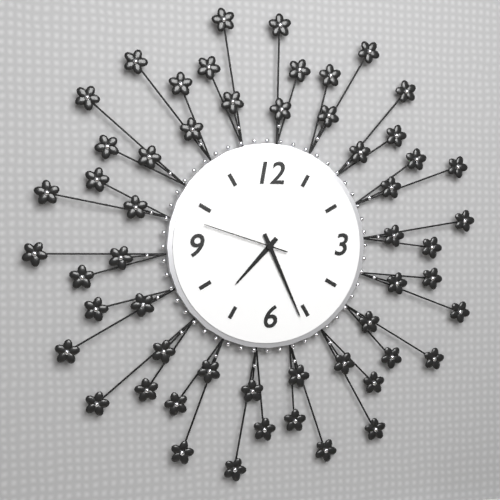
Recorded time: 7:26:48
